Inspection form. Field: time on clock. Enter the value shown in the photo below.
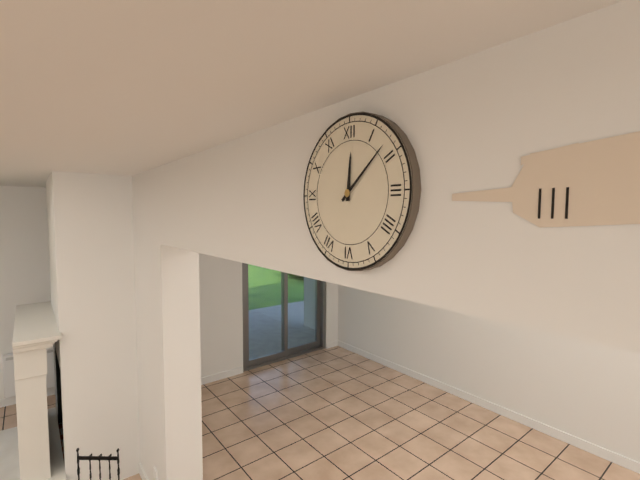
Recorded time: 12:08
